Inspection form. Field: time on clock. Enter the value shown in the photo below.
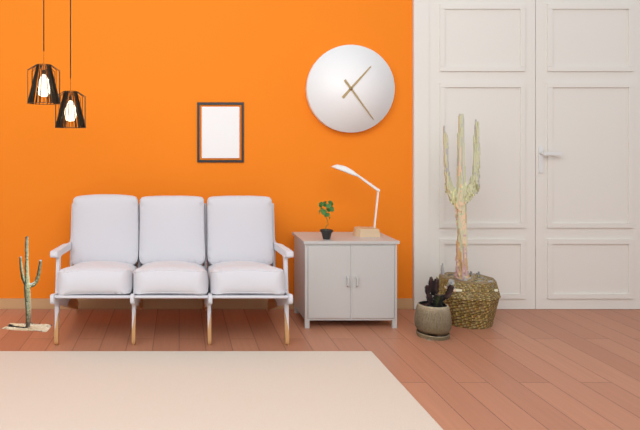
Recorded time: 1:24
